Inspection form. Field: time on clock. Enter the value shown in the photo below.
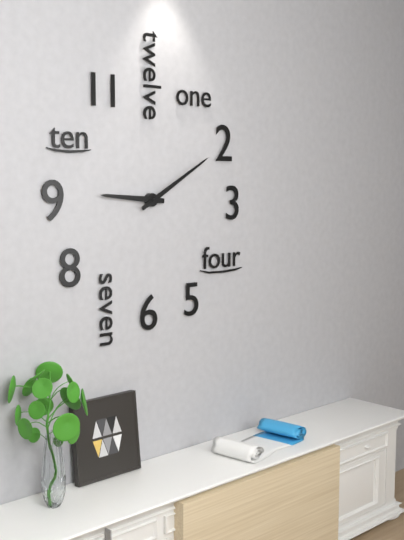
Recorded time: 9:10
